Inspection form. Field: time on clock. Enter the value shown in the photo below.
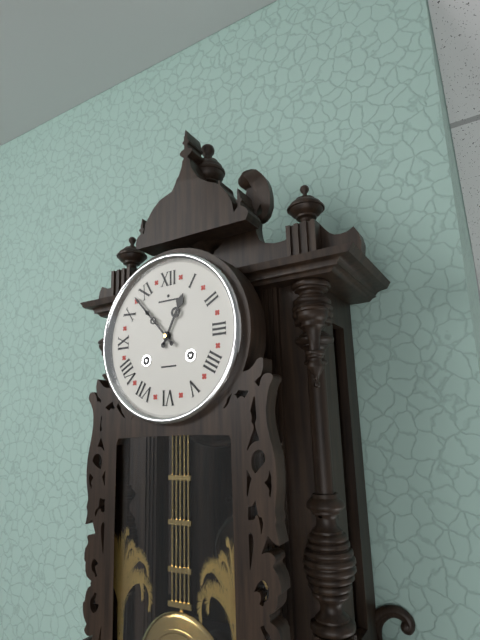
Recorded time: 12:53
